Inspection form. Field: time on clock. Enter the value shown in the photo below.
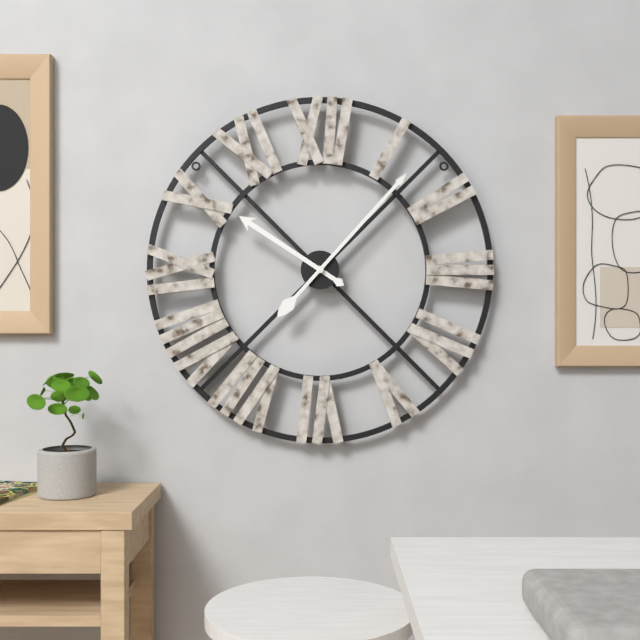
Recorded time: 10:07
